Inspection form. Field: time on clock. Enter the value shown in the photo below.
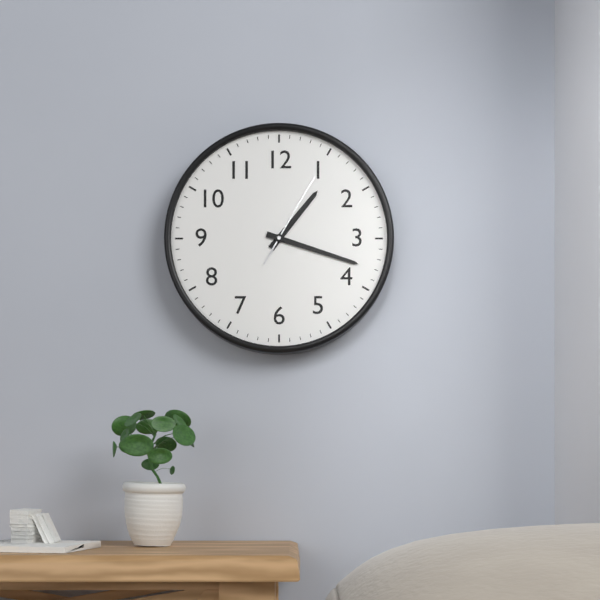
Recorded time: 1:18:05
